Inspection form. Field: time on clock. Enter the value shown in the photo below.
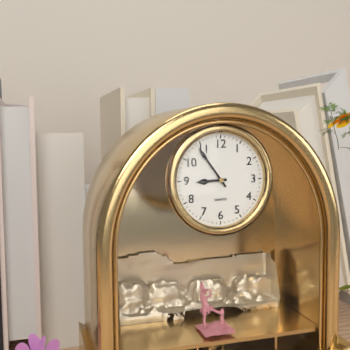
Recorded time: 8:54
